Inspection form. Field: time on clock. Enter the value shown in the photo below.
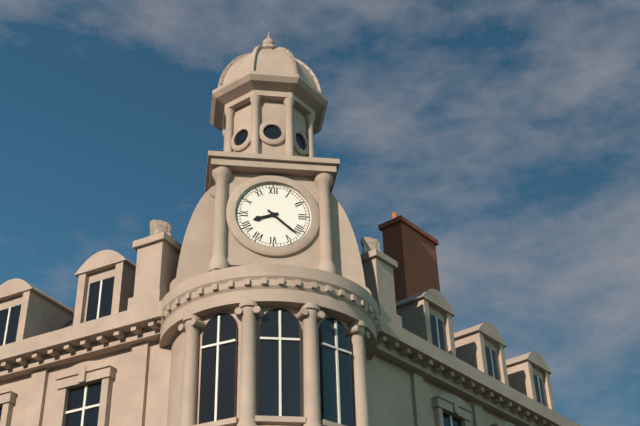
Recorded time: 8:22
